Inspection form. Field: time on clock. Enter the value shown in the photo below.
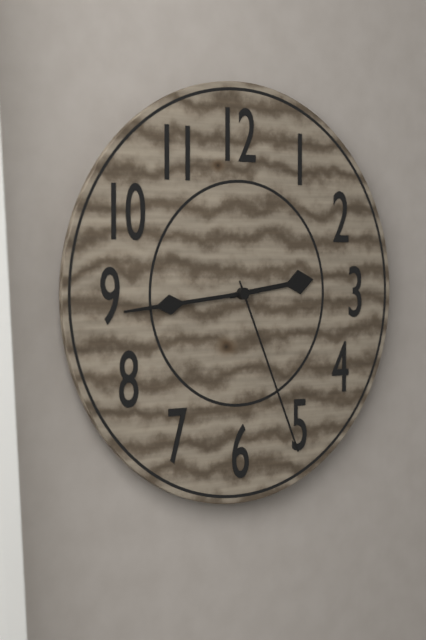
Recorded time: 2:44:26
